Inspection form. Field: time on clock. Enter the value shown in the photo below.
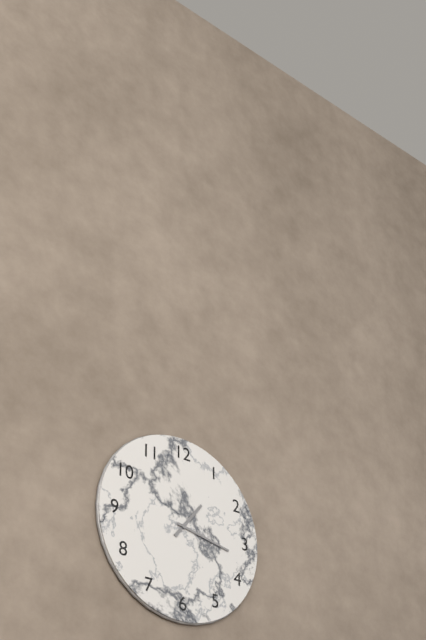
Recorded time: 1:17
